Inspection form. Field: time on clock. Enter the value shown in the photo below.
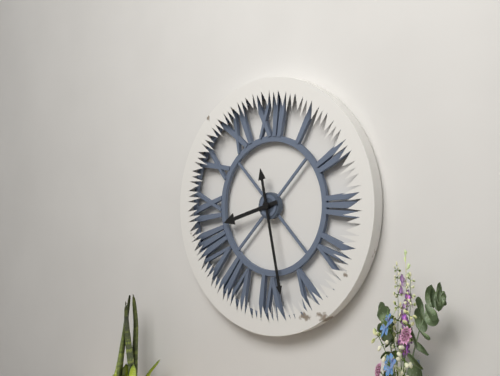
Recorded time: 8:28
